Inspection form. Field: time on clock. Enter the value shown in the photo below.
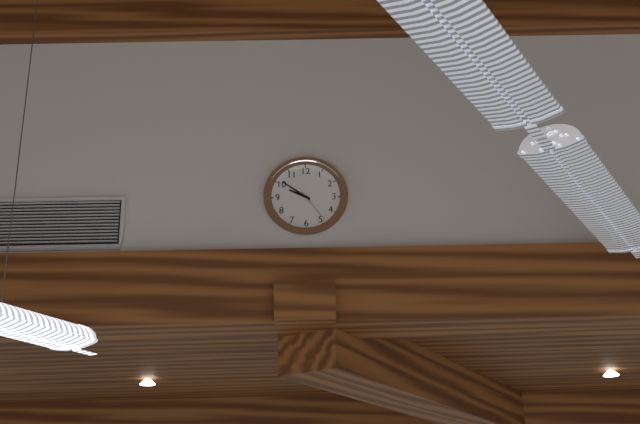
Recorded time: 9:51
